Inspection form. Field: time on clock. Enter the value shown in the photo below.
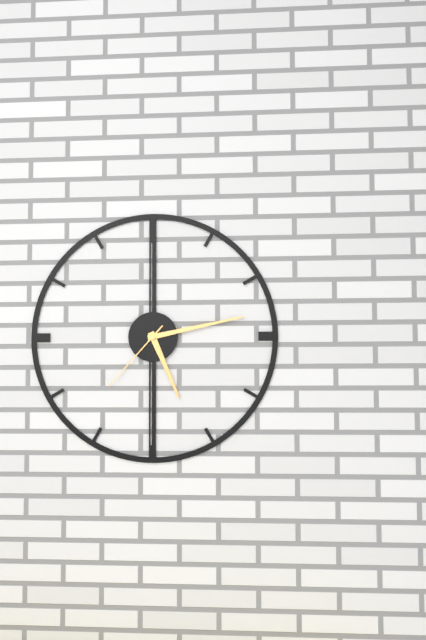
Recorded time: 5:13:37
